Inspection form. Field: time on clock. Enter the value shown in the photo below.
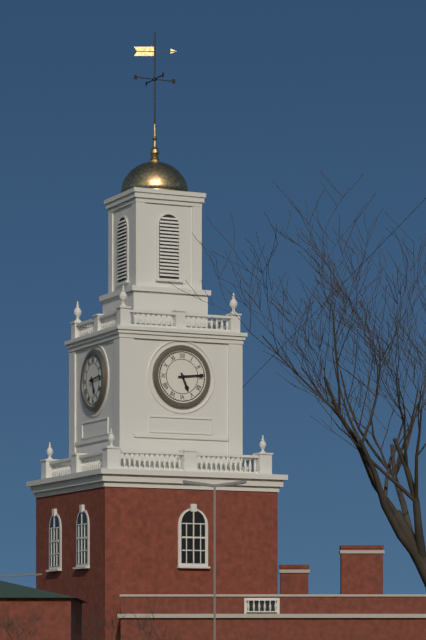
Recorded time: 5:14
